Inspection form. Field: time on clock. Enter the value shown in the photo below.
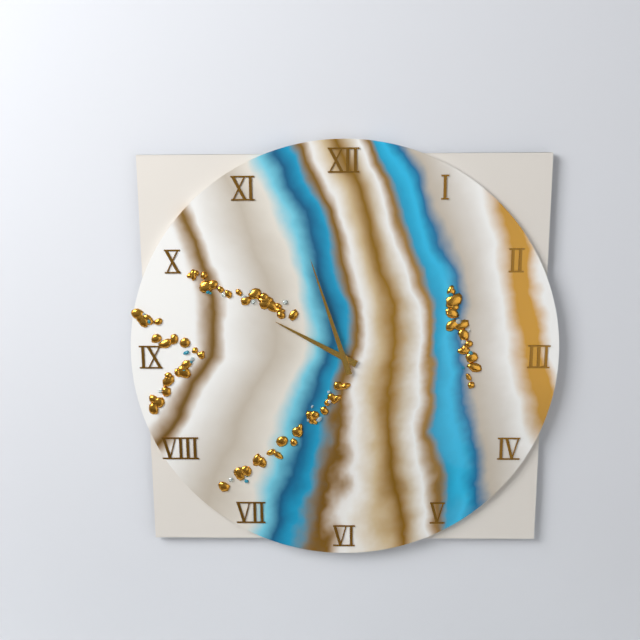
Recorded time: 9:57
